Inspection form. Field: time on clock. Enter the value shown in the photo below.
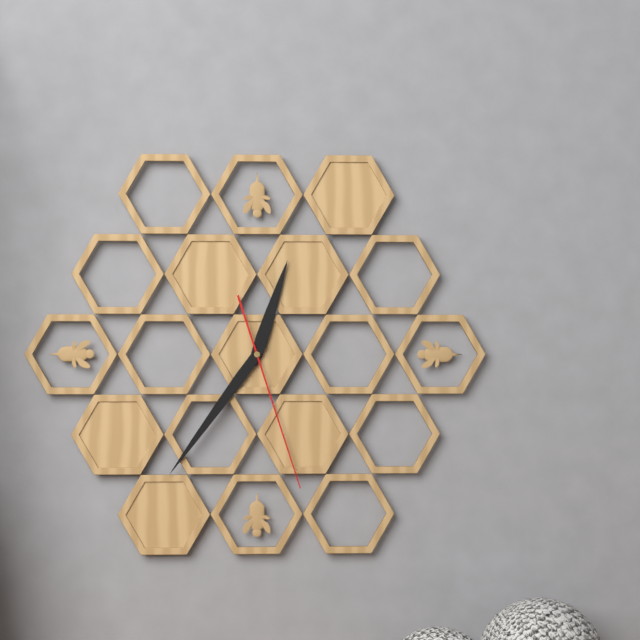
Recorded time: 12:36:27
